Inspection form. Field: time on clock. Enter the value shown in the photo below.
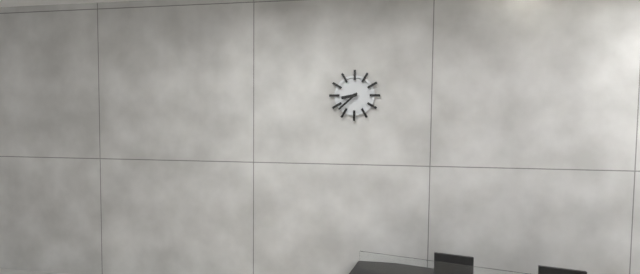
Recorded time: 8:38
